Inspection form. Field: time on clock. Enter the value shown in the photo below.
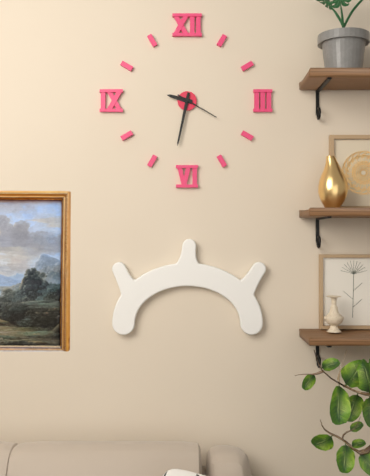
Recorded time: 9:32
